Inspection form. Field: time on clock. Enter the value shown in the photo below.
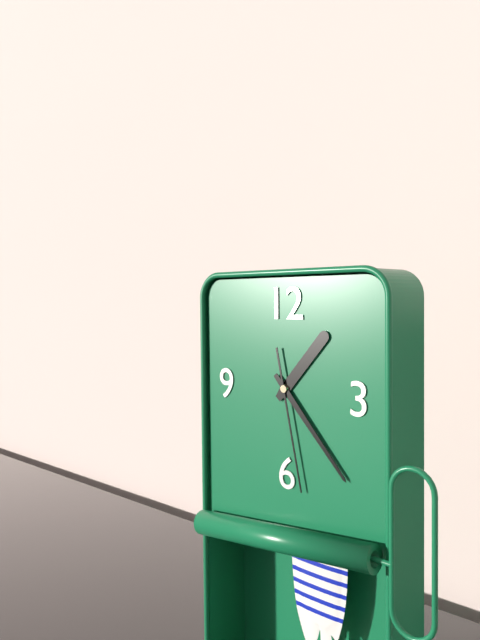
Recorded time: 1:23:28
